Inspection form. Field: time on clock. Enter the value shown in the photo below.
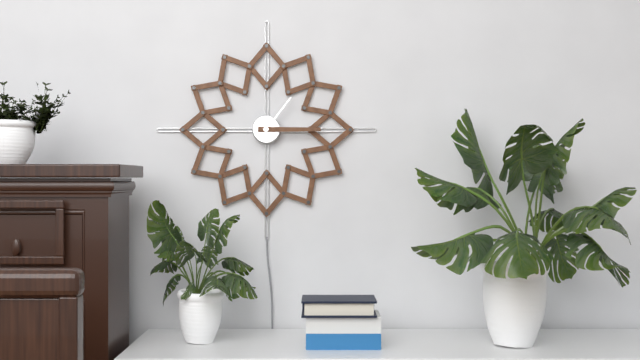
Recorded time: 1:15
